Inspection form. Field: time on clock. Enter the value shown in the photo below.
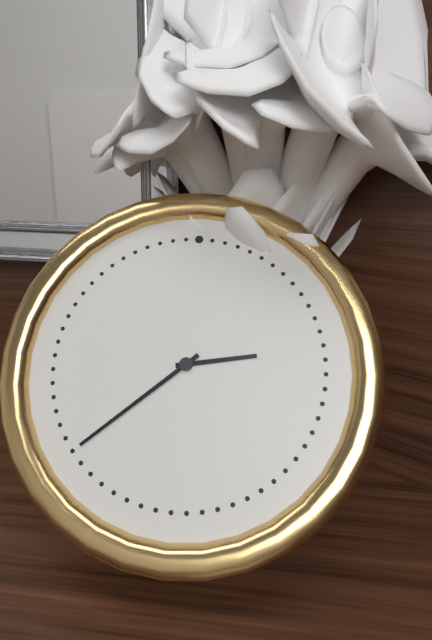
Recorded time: 2:38
